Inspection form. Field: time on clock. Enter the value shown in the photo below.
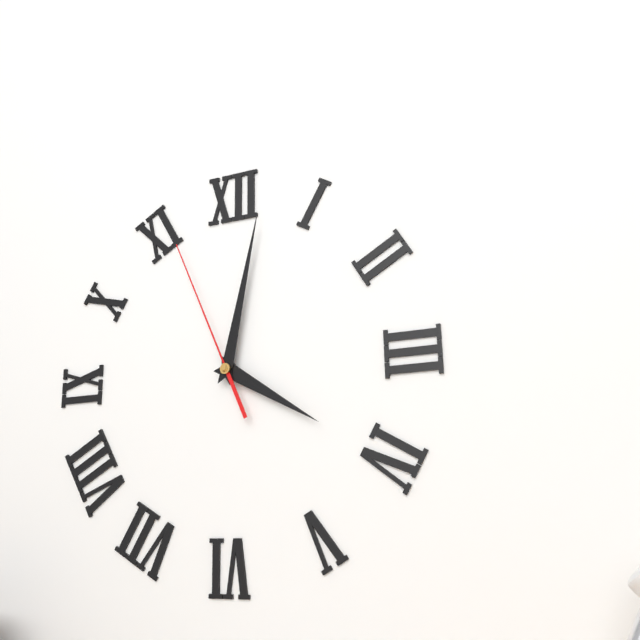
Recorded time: 4:02:56
